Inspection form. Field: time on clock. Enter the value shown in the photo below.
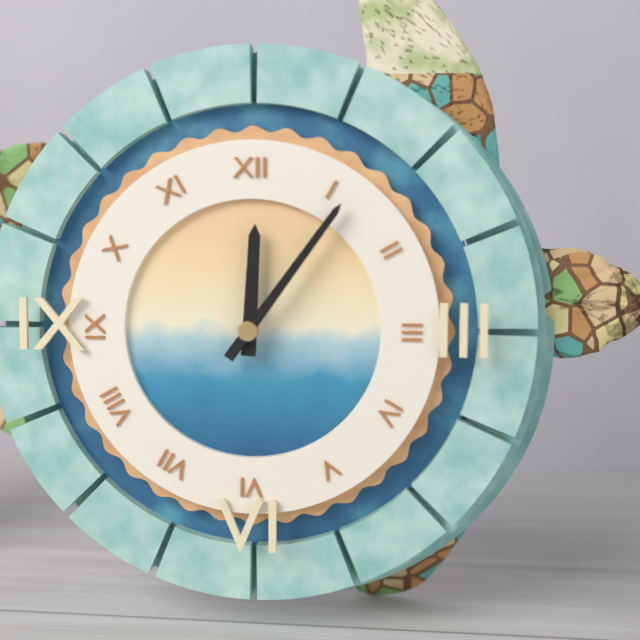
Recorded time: 12:06
